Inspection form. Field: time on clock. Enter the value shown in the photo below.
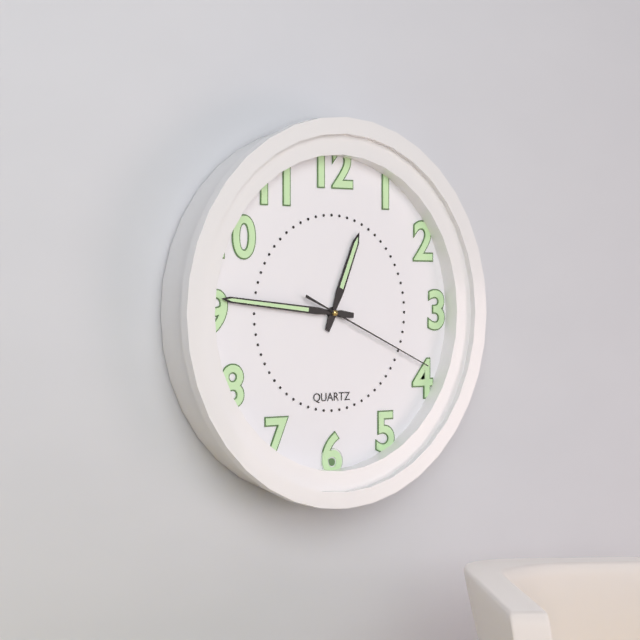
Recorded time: 12:46:19
